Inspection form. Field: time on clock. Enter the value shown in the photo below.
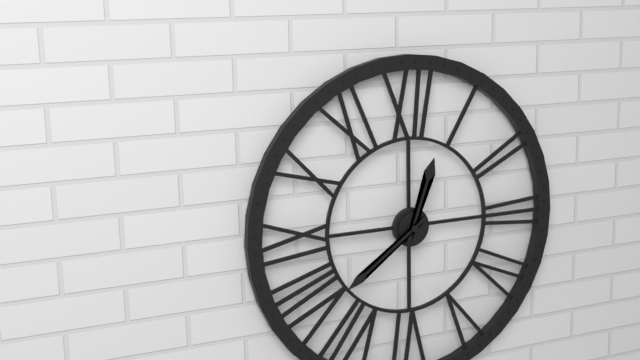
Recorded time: 12:39
